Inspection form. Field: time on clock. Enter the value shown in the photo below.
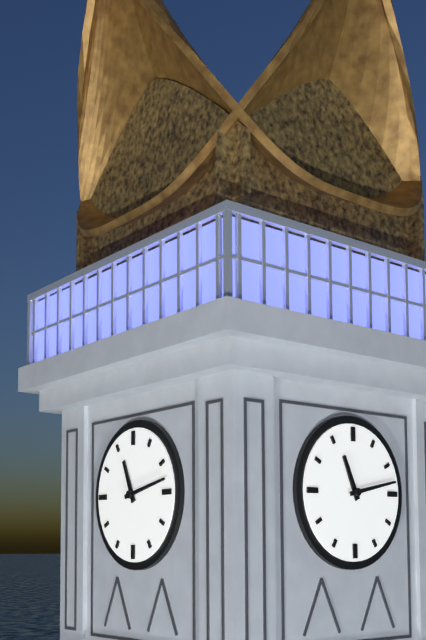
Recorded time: 11:13
